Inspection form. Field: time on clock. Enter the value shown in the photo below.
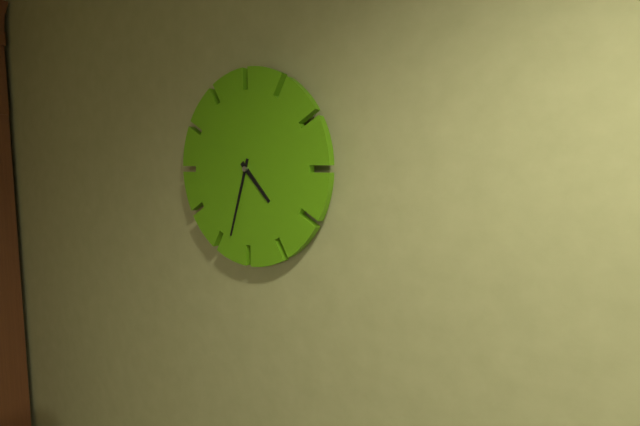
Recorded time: 4:33
